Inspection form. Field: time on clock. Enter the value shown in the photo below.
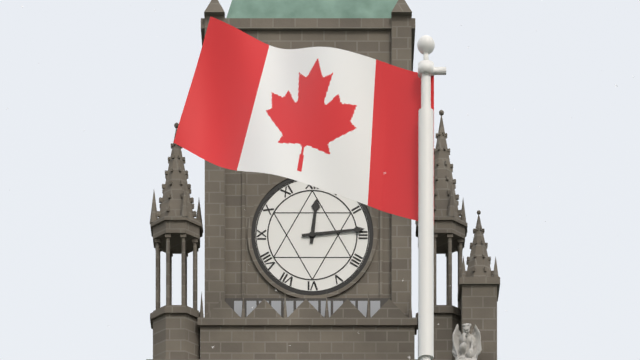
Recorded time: 12:14
